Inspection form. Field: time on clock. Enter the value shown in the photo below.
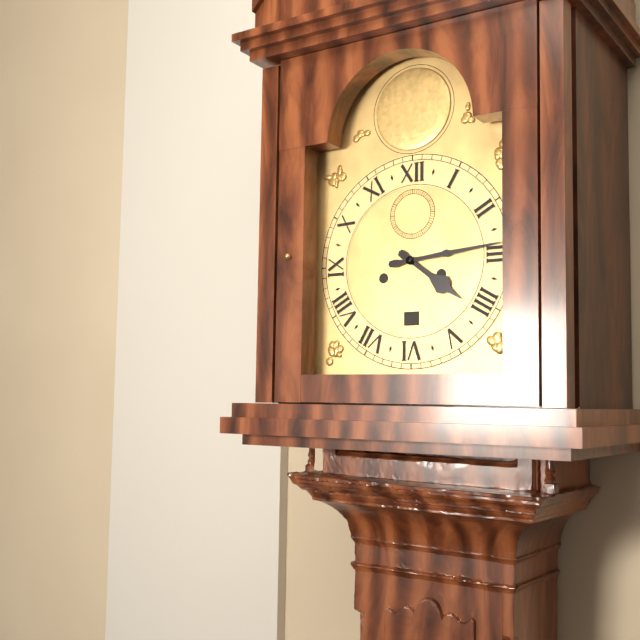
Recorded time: 4:14
